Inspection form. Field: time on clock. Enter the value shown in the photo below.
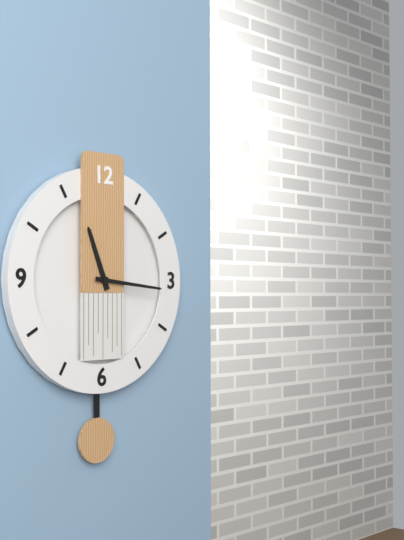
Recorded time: 11:16
